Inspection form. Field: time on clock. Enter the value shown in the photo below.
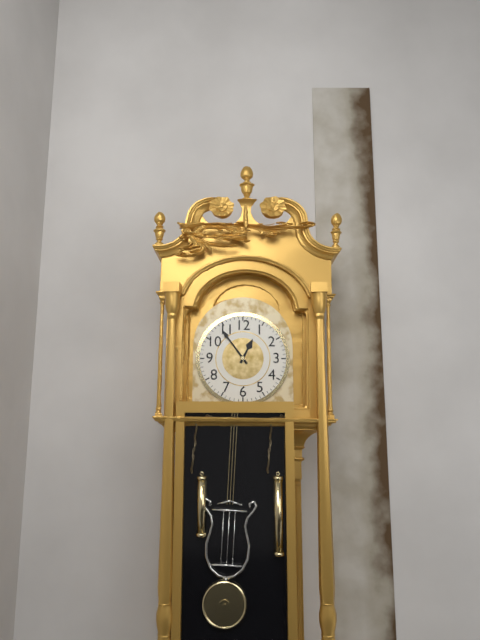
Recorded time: 12:54
